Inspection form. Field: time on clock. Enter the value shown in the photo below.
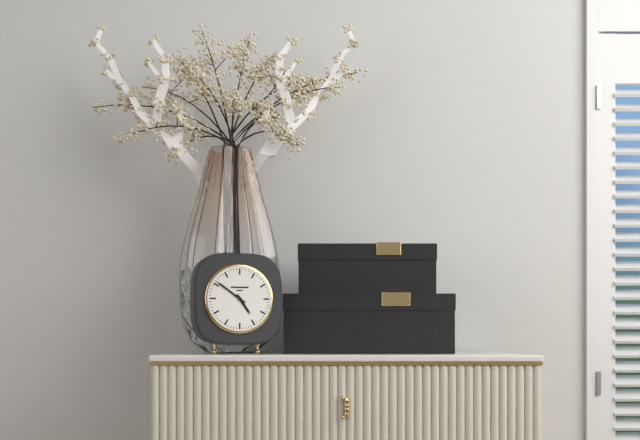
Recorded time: 4:51
